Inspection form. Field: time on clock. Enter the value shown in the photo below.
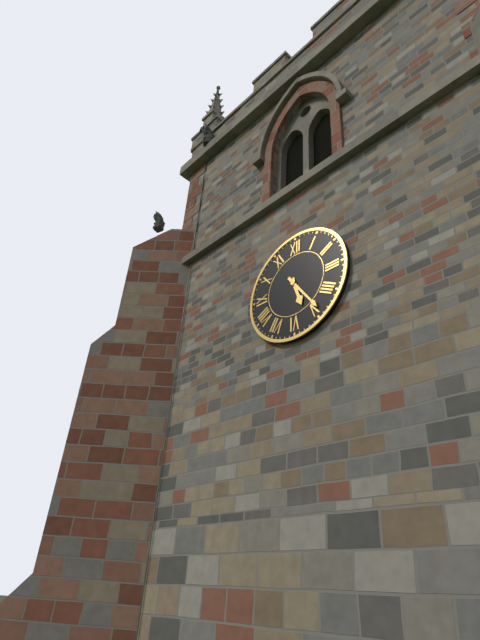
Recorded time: 5:24
